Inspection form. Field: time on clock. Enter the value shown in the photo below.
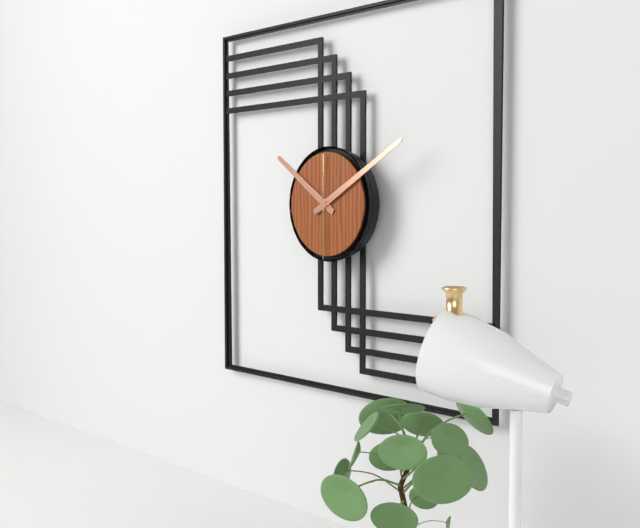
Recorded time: 10:10:30
